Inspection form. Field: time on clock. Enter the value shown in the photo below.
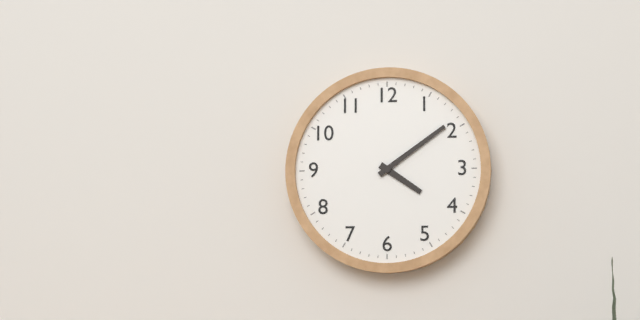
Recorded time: 4:09
